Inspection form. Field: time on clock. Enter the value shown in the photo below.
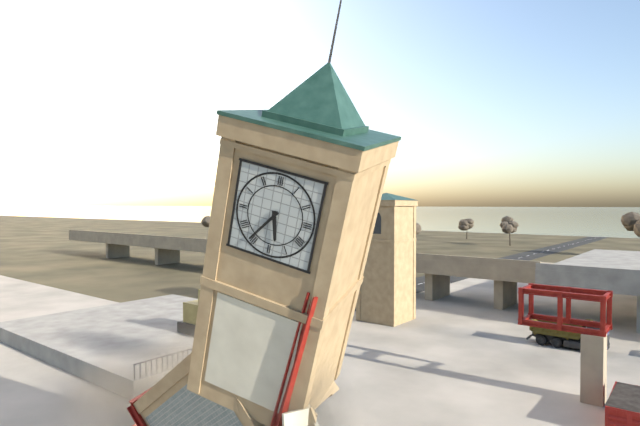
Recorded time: 5:36
